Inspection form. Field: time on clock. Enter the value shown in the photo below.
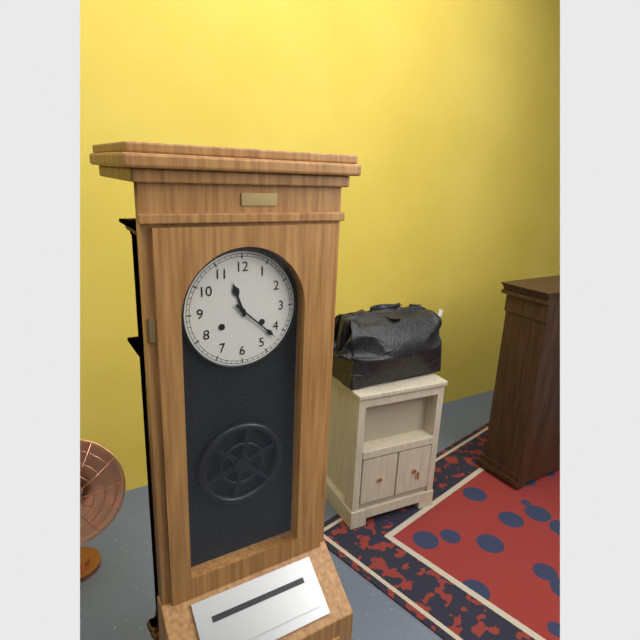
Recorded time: 11:22
